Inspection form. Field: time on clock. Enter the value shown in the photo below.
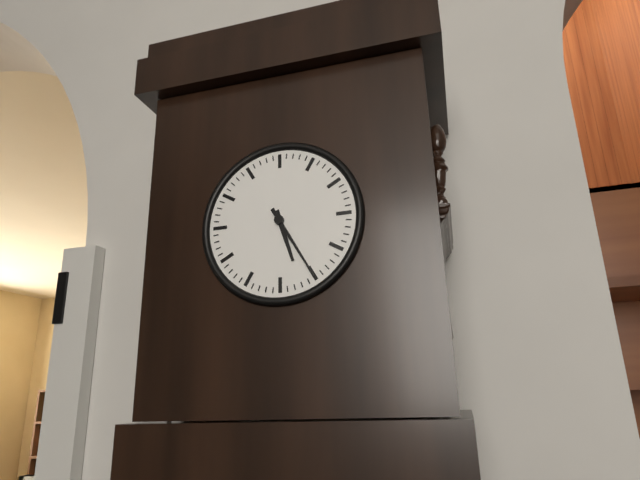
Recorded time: 5:25
